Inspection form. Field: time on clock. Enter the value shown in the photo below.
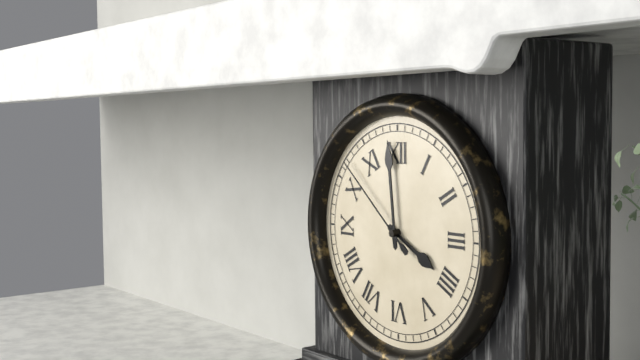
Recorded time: 3:59:52
